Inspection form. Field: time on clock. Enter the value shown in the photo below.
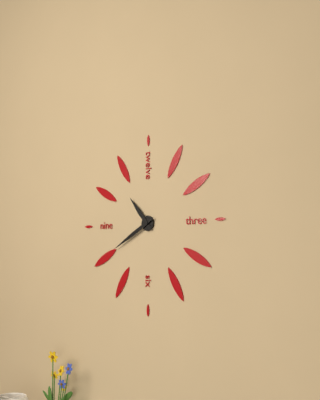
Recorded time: 10:40
